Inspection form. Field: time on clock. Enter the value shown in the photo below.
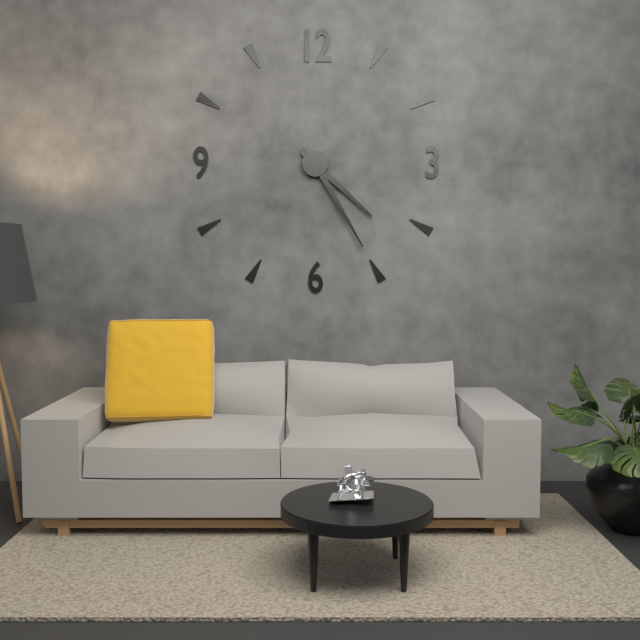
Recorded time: 4:25
